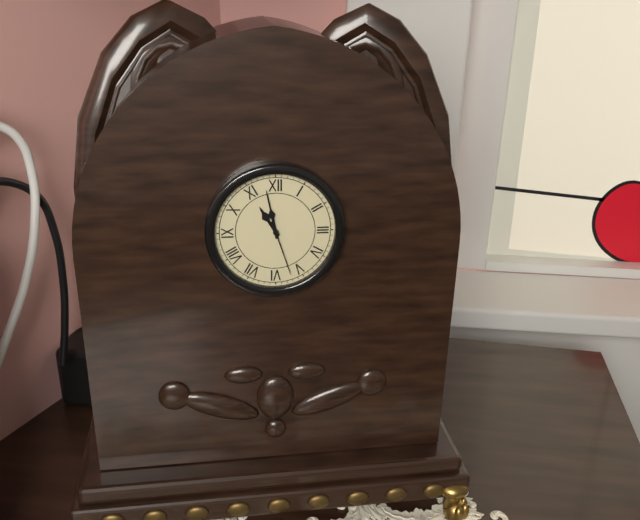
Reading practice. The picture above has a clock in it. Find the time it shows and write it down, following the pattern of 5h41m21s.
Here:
10h58m27s
